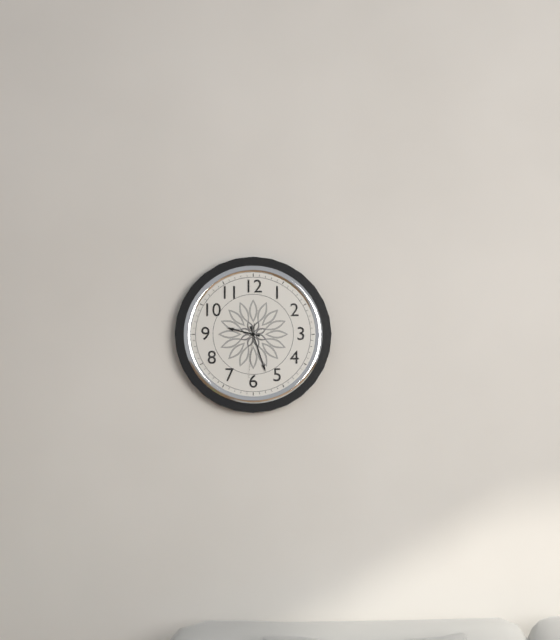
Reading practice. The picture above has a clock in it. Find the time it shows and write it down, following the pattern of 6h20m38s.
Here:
9h27m31s
